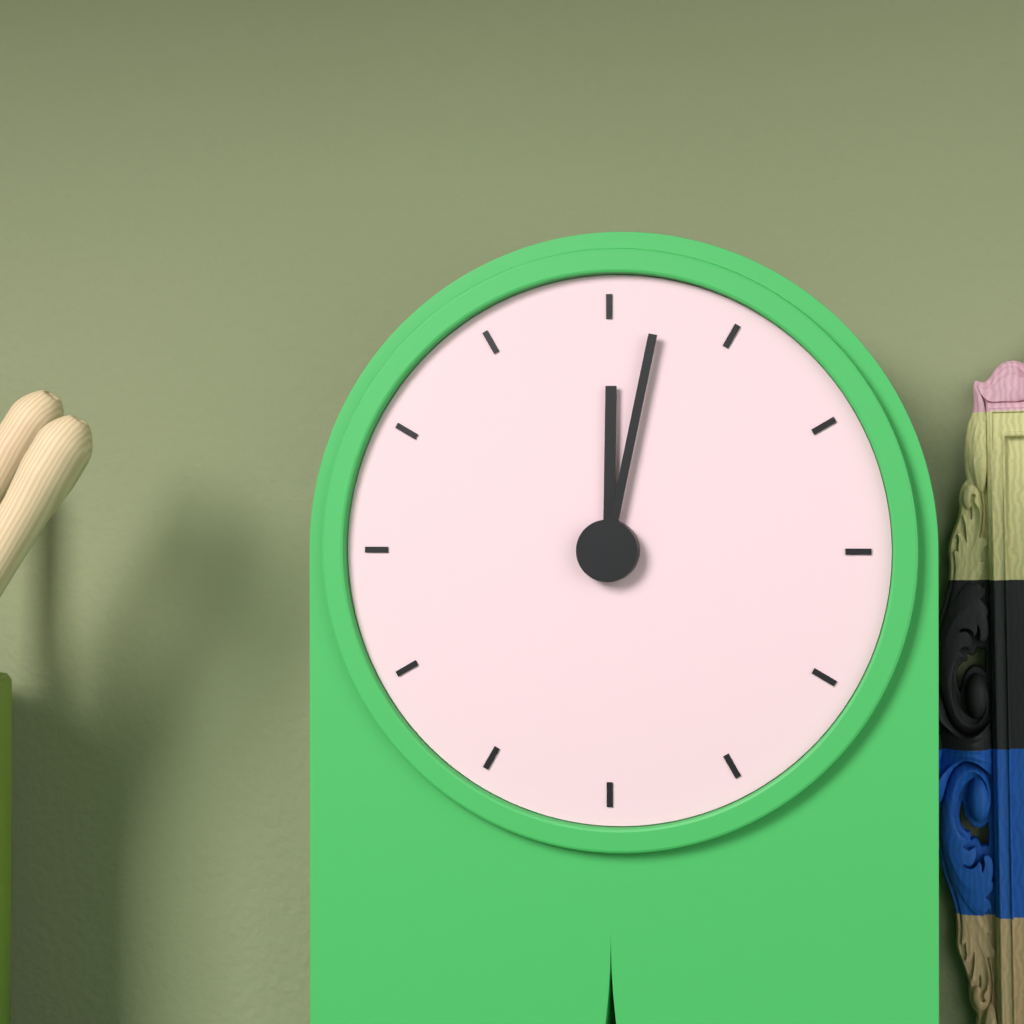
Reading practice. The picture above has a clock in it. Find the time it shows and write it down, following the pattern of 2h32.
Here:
12h02
